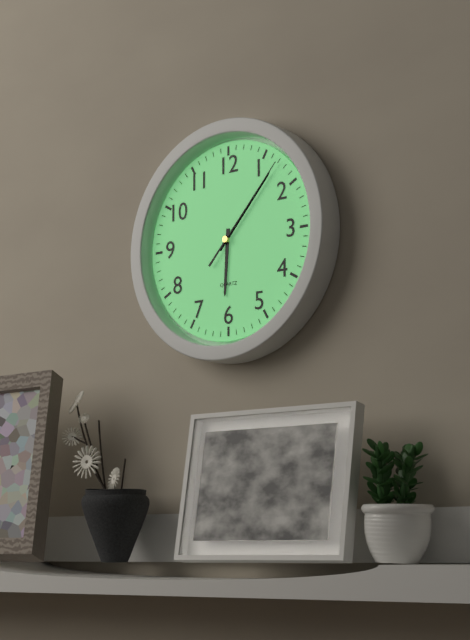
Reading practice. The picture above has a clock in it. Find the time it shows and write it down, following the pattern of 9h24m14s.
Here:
6h07m07s
